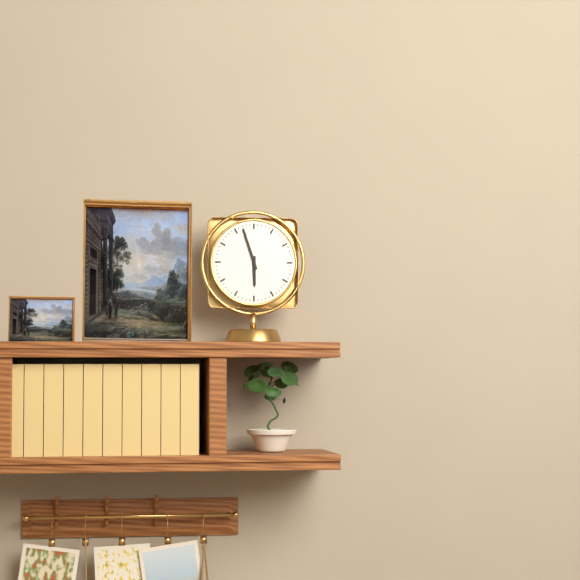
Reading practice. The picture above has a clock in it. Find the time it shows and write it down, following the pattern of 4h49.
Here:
5h57
